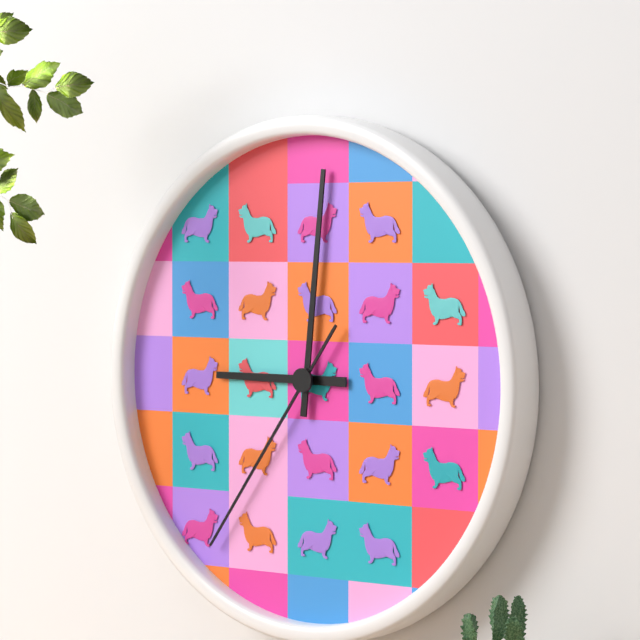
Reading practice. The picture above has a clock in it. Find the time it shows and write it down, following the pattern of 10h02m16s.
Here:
9h01m36s
